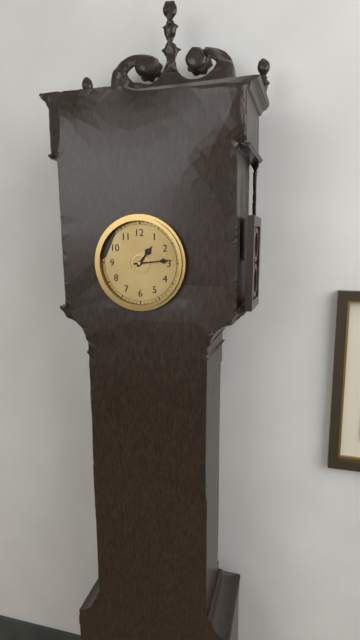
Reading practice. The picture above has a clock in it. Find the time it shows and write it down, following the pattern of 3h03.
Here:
1h14
